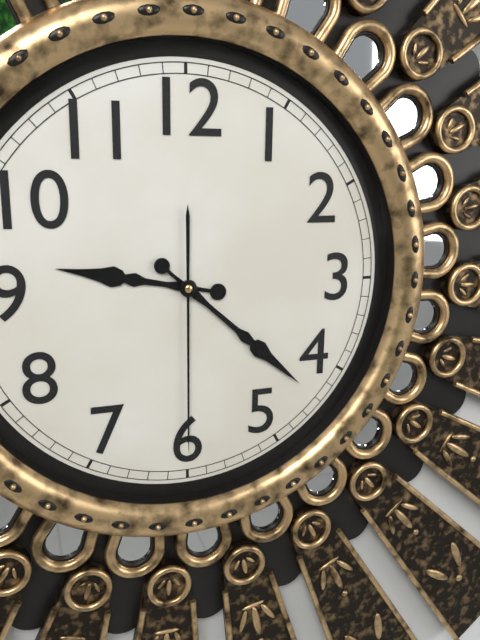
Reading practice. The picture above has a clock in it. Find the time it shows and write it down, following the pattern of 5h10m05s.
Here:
9h22m30s
